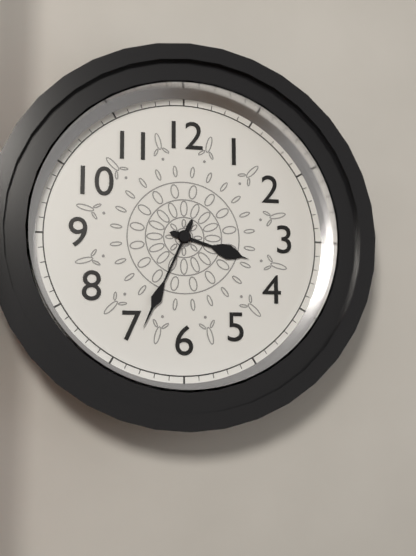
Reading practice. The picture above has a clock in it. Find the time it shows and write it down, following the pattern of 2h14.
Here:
3h34
